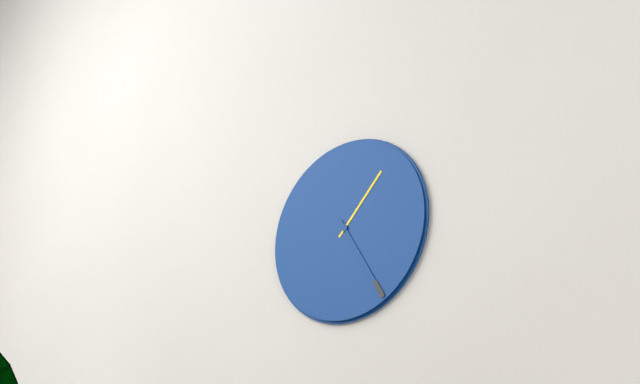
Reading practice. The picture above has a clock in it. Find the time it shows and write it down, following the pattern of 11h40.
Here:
1h25
